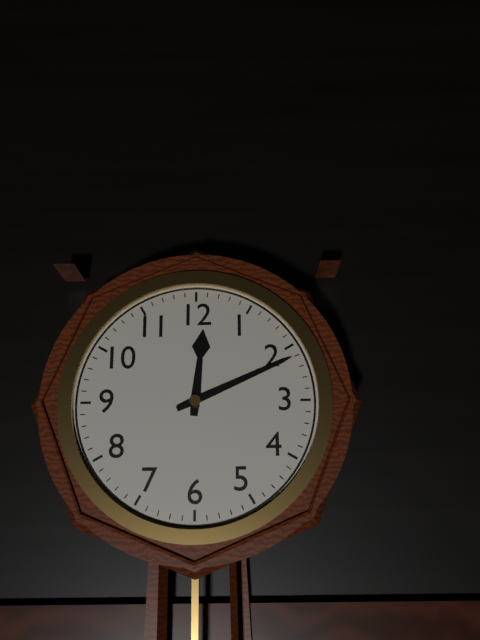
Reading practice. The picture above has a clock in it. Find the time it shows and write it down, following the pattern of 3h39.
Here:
12h11
